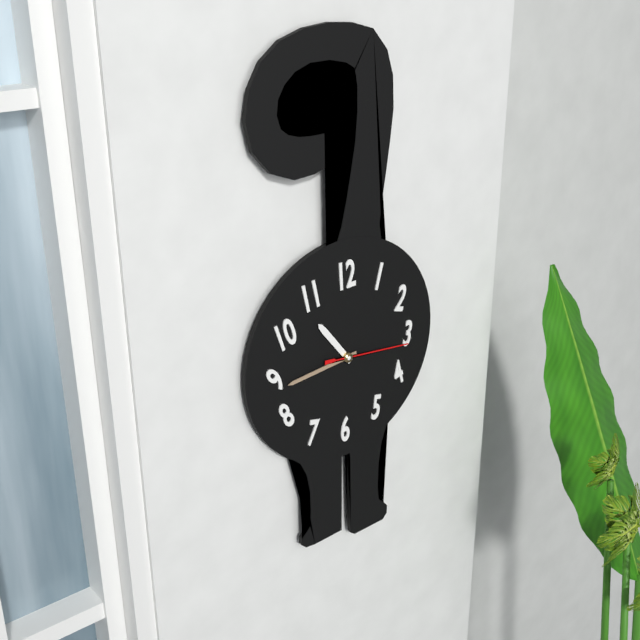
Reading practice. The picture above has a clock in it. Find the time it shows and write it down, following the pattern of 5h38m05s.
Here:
10h44m16s
